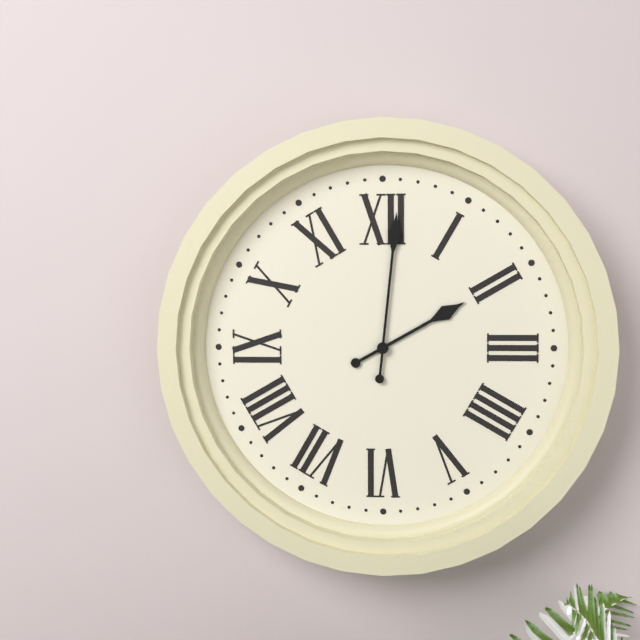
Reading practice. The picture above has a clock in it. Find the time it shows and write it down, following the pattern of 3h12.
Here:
2h01
